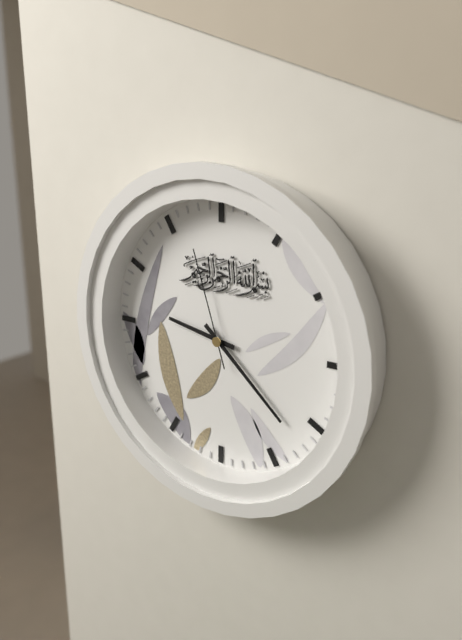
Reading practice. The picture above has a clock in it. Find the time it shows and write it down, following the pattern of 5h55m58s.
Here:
9h22m57s
